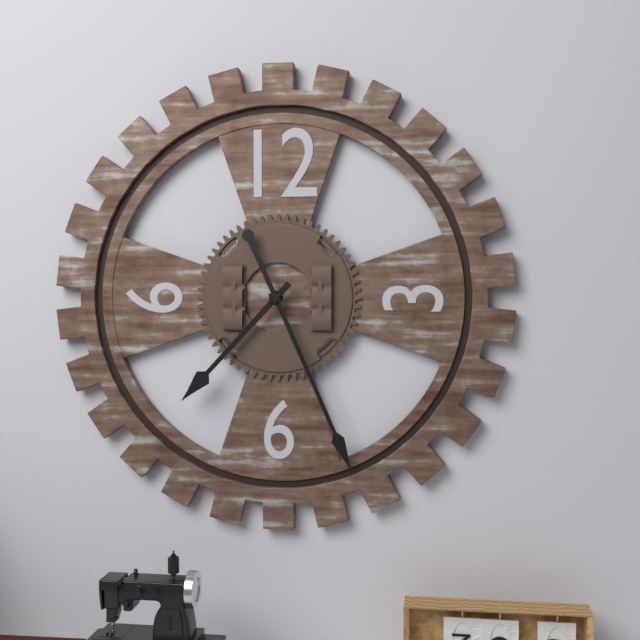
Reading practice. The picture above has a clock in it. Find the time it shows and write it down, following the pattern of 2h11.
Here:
7h26
